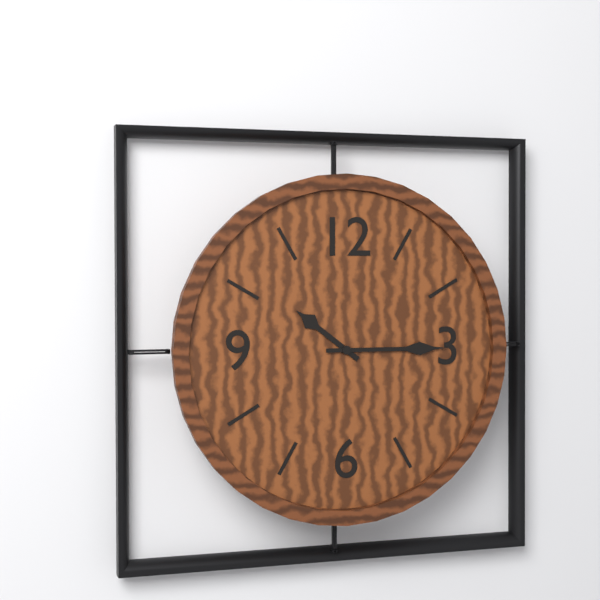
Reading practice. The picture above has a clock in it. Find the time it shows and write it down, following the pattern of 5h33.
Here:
10h15
